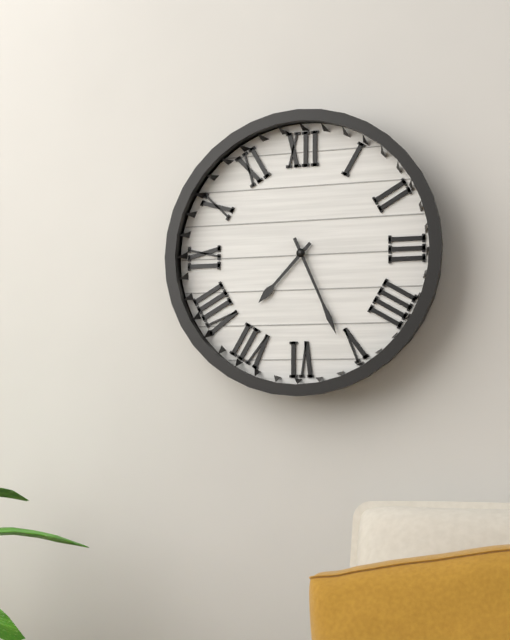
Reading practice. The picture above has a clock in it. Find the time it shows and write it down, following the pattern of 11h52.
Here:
7h26
